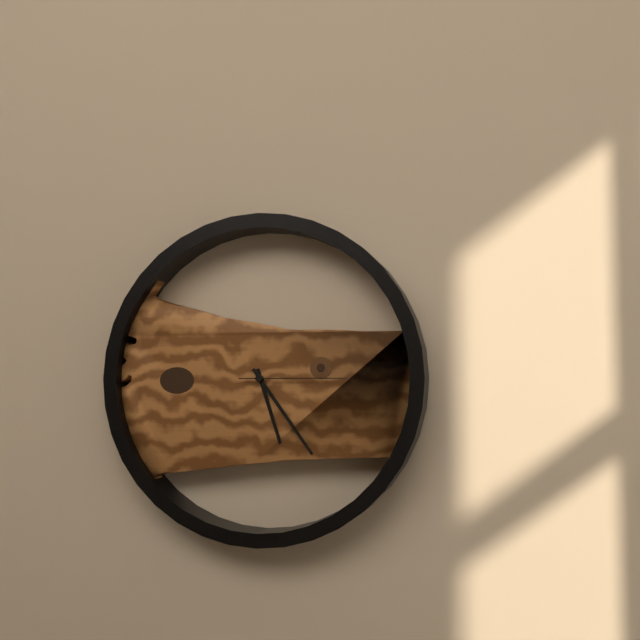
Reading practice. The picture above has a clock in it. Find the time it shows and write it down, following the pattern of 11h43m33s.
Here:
5h24m15s
